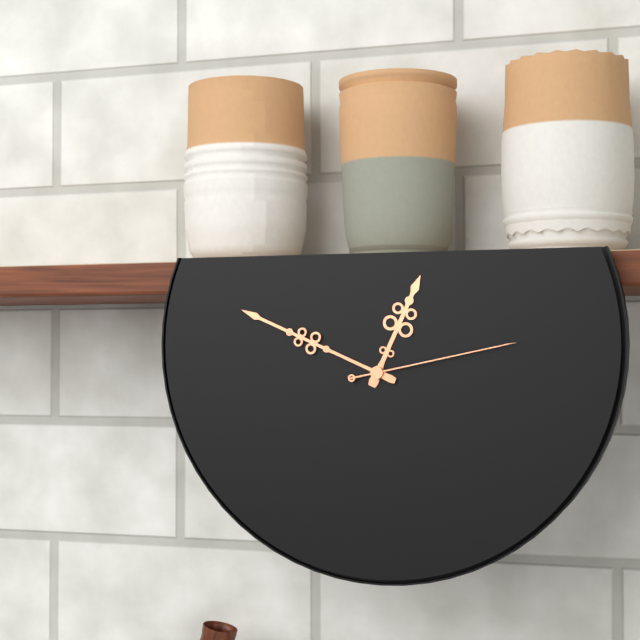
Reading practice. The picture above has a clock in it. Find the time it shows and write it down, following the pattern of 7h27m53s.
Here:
12h49m13s
